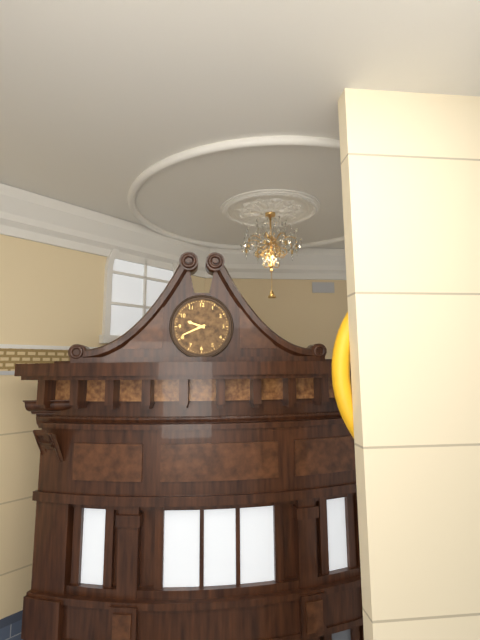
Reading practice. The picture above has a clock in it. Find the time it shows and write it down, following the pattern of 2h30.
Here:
9h41
